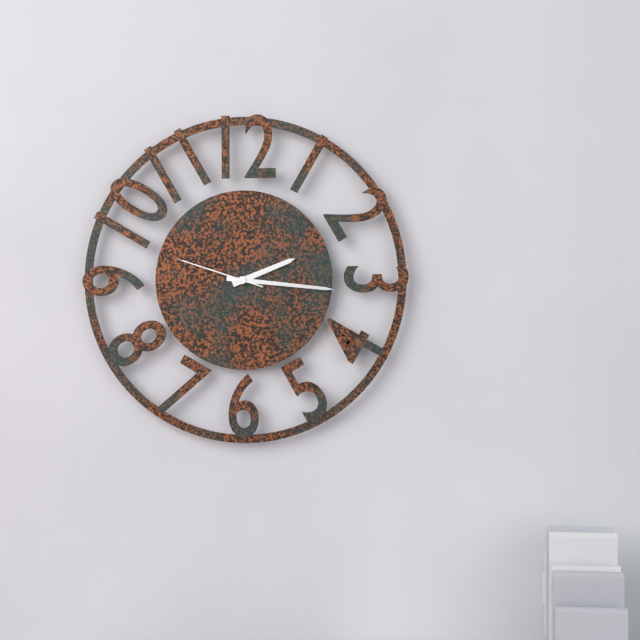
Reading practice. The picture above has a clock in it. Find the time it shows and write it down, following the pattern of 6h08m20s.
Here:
2h16m48s
